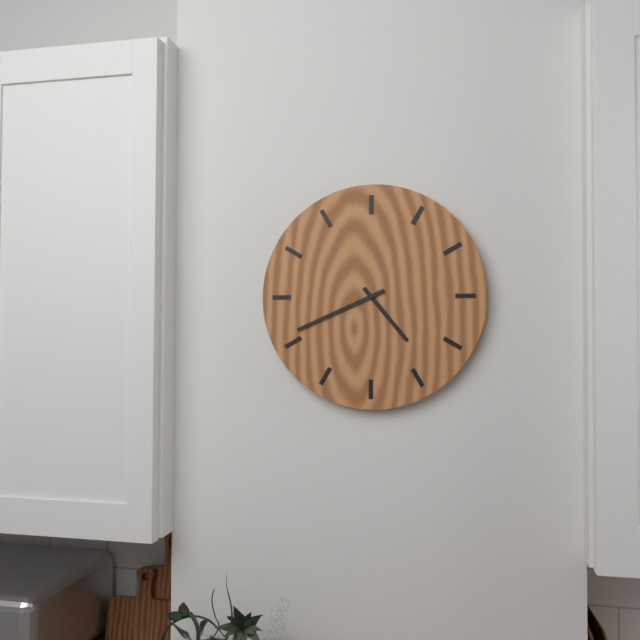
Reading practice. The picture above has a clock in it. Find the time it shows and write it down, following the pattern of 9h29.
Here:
4h41
